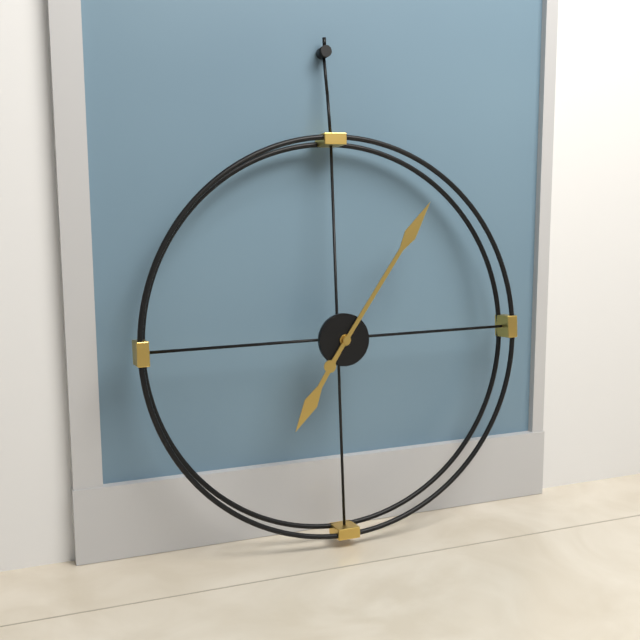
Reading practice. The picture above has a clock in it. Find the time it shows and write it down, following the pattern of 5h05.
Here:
7h06
